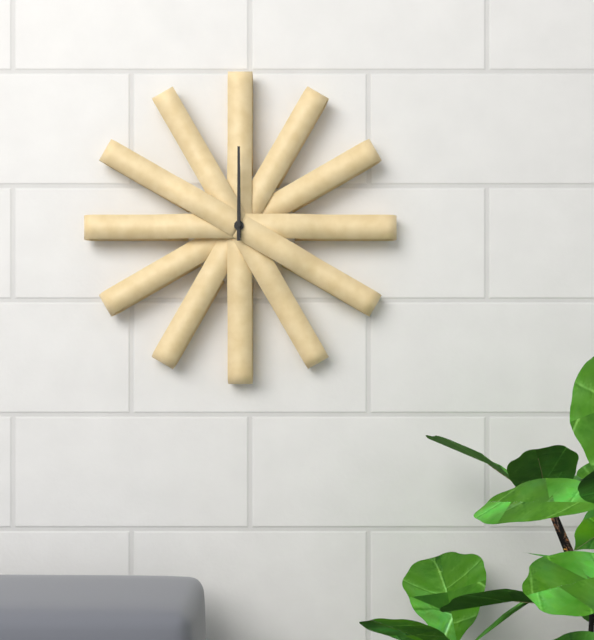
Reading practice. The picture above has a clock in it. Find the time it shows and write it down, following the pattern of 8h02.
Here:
12h00
